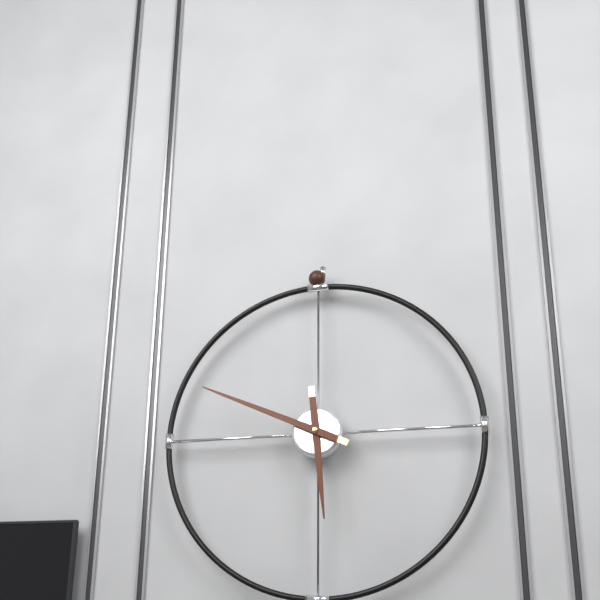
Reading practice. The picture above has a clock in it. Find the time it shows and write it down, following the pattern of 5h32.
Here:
5h49
